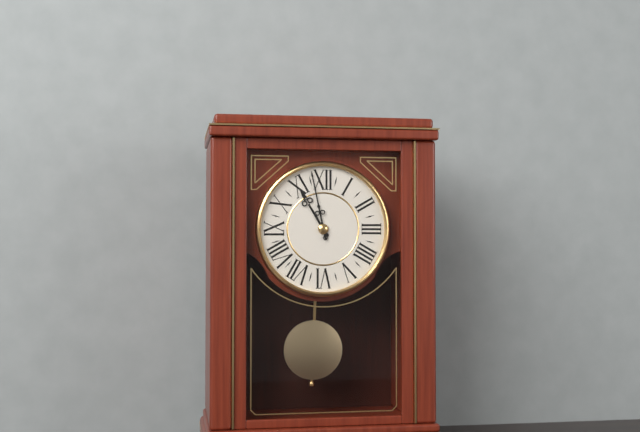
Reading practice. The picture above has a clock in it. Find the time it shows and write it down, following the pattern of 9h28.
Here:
10h58
